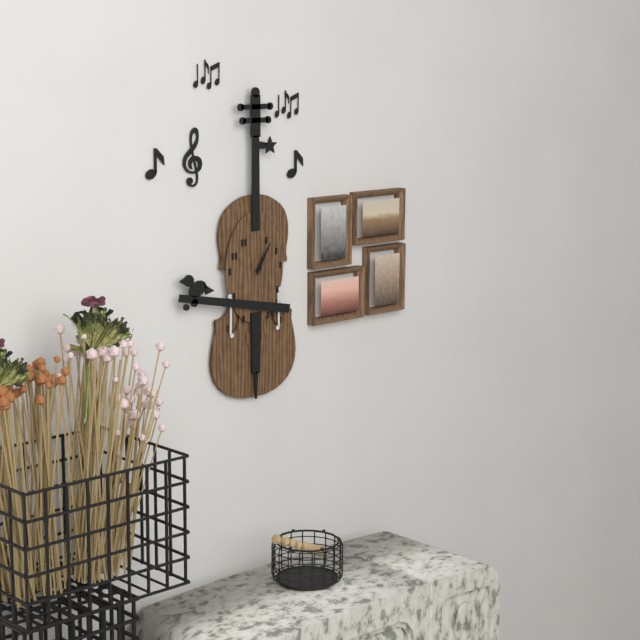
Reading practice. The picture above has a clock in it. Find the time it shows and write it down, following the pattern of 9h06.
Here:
1h05
